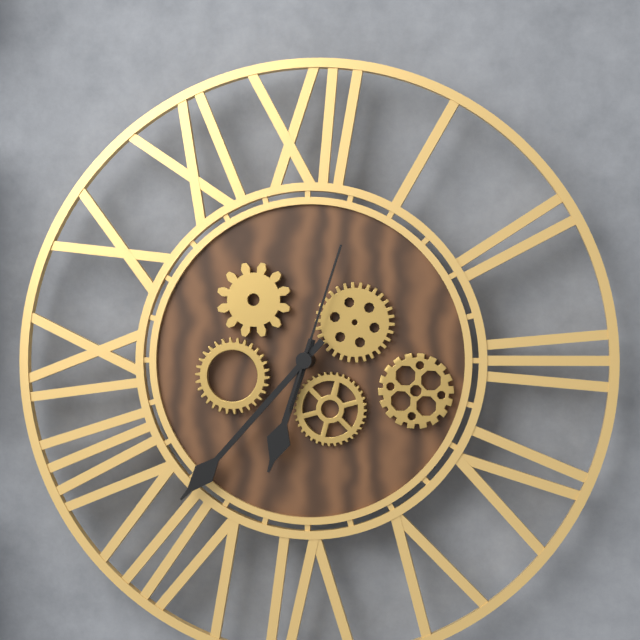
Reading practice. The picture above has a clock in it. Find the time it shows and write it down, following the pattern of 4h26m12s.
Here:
6h37m03s
